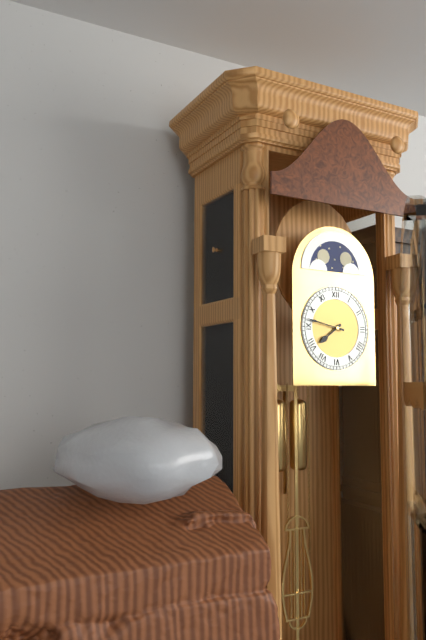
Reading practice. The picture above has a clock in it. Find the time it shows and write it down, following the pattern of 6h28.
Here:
7h47
